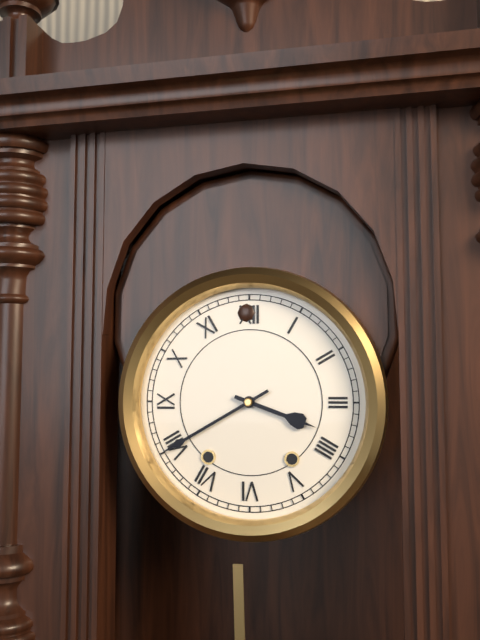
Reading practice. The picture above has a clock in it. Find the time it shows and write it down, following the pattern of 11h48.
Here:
3h40
